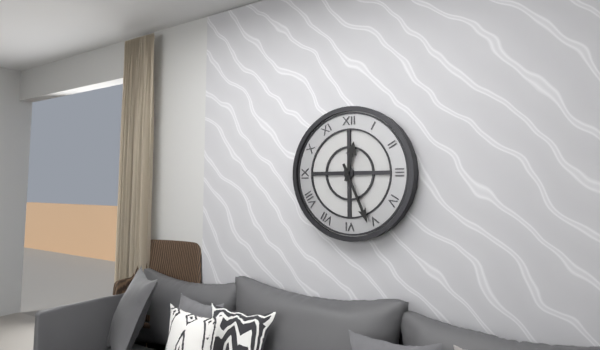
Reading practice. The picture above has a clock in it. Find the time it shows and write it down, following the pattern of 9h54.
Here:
12h26
